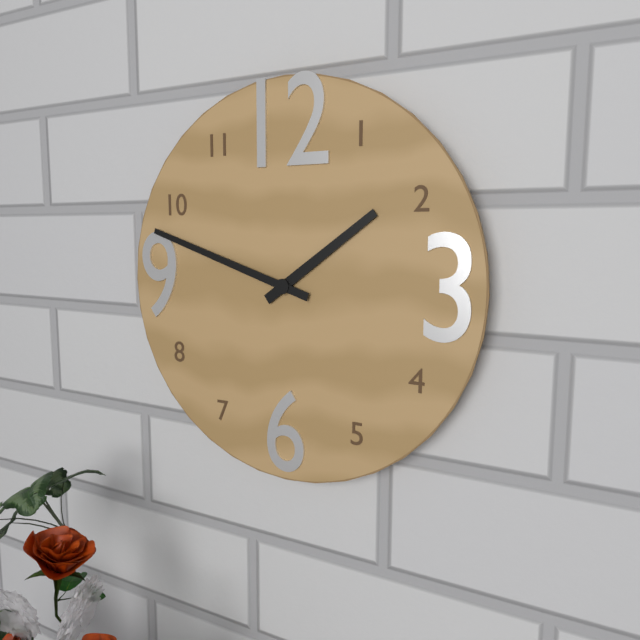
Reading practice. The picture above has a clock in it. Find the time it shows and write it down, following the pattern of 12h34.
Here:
1h48
